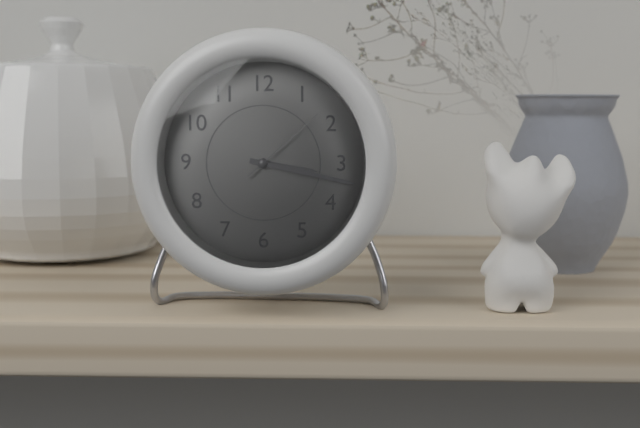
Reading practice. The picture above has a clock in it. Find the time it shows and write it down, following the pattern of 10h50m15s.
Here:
3h17m08s
